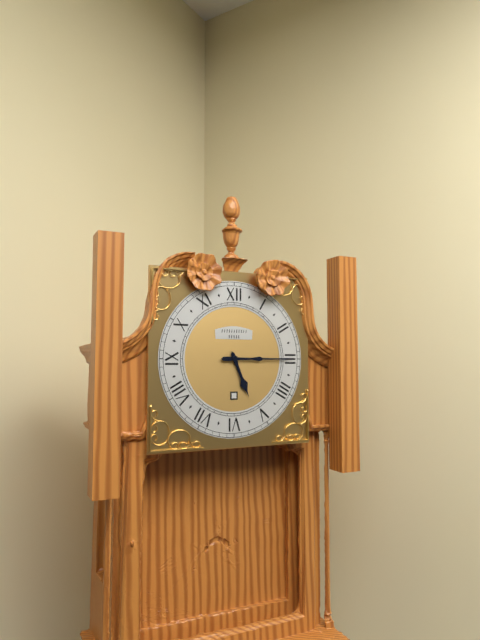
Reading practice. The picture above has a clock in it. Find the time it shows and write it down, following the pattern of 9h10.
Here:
5h15
